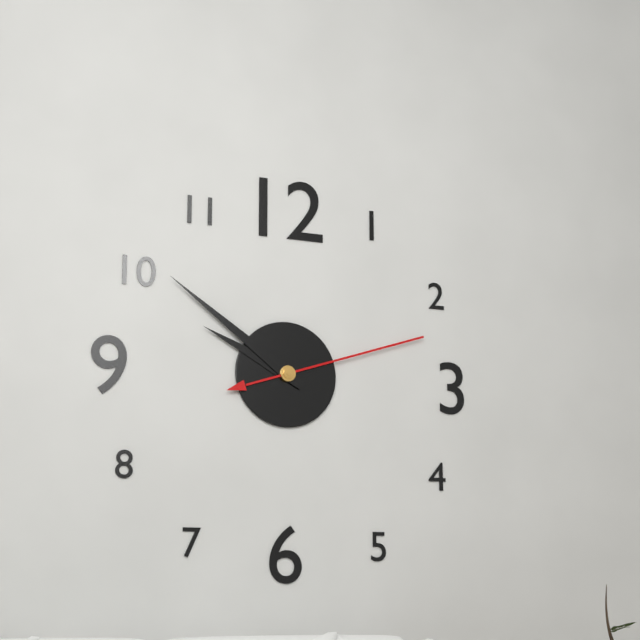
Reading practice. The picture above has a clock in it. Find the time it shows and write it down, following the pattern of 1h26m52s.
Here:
9h51m12s
